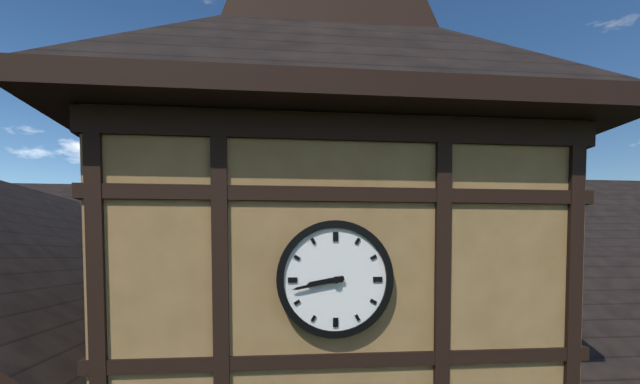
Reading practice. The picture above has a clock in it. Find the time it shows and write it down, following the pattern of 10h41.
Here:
8h43
